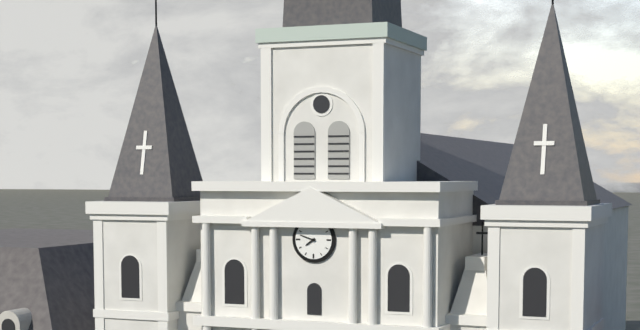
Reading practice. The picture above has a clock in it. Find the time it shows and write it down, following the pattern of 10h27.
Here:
7h48
